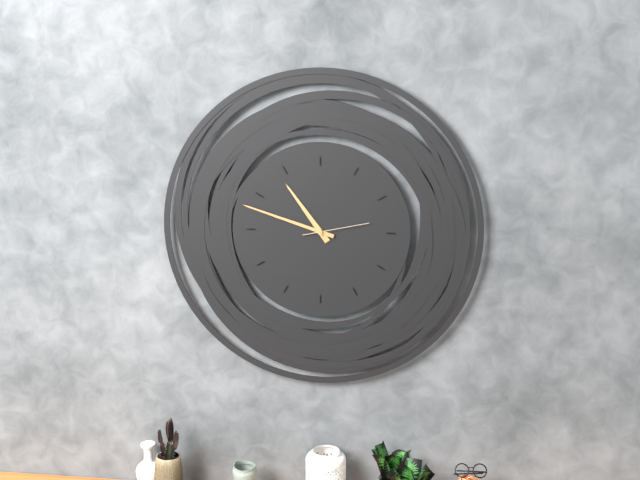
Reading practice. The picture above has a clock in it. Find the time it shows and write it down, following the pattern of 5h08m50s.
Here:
10h48m13s
